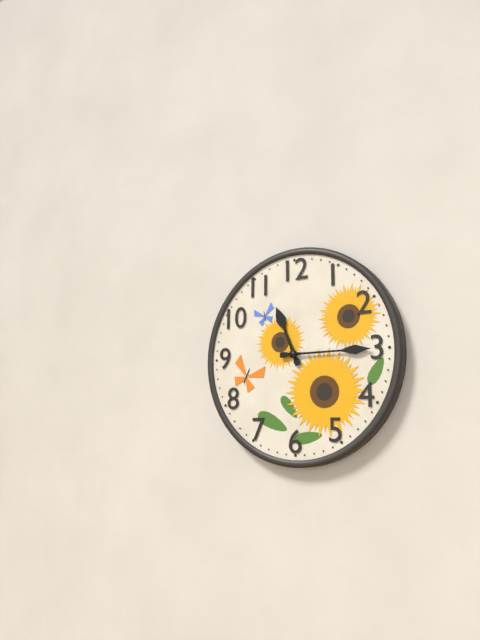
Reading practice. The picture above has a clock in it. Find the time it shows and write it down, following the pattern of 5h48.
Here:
11h15
